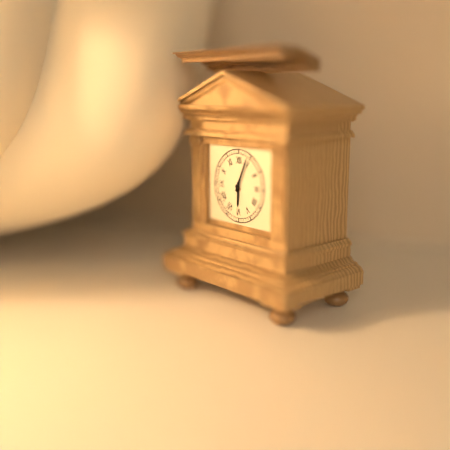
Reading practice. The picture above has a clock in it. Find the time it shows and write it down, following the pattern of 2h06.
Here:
6h04
